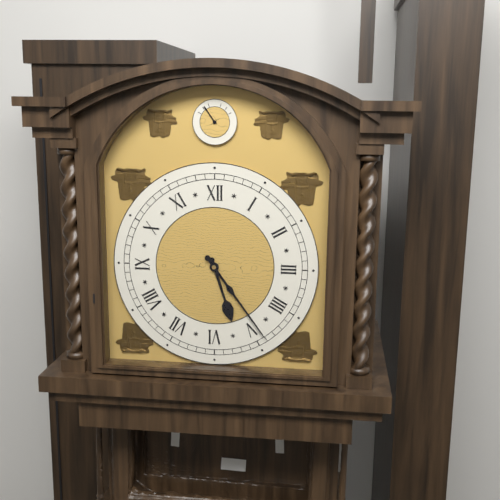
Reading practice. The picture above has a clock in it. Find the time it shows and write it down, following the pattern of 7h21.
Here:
5h24
